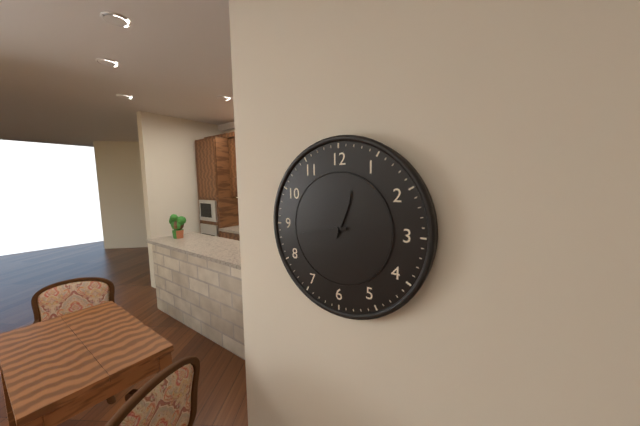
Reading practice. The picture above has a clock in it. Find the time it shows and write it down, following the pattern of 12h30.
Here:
12h43
